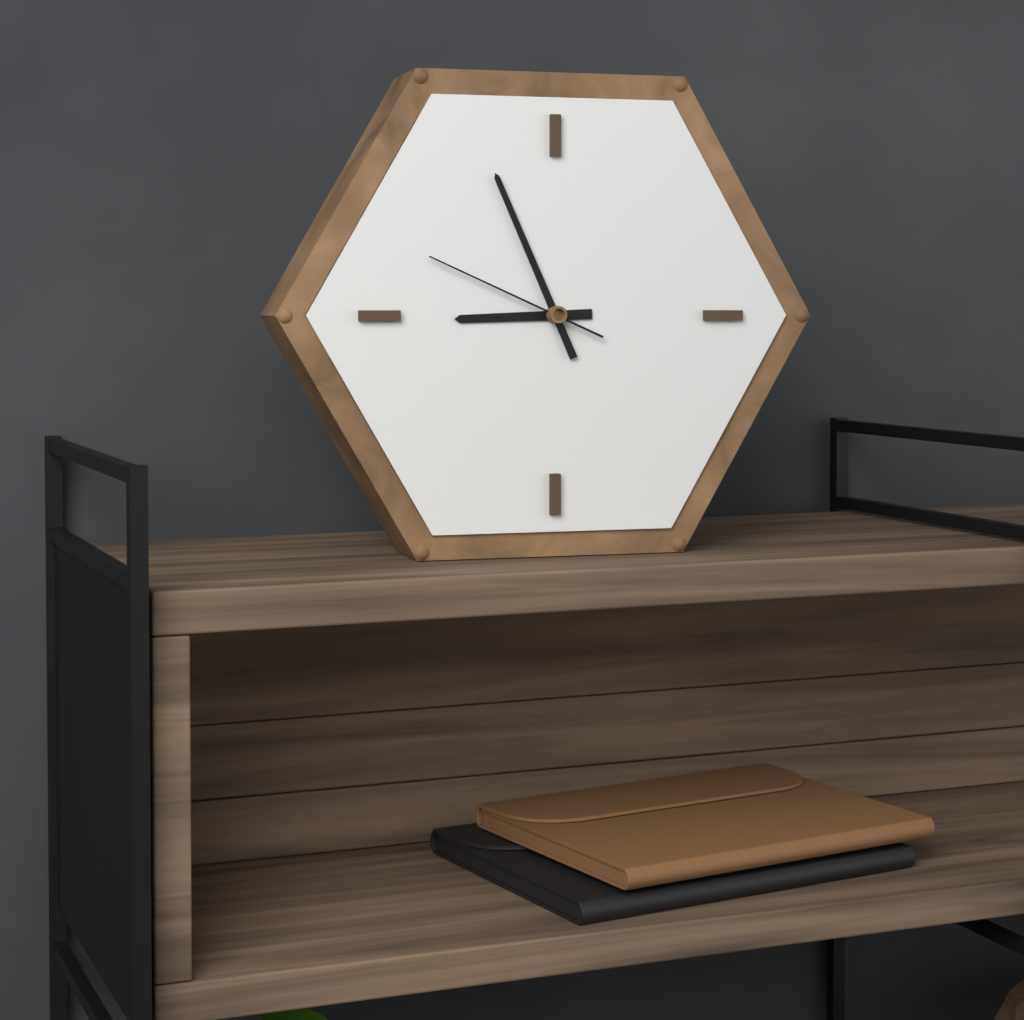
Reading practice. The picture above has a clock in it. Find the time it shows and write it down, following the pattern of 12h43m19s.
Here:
8h56m49s
